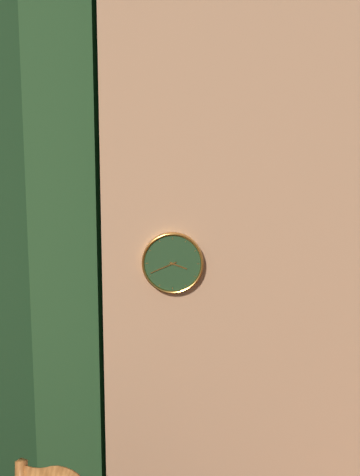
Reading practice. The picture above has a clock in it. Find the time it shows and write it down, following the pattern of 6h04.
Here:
3h41
